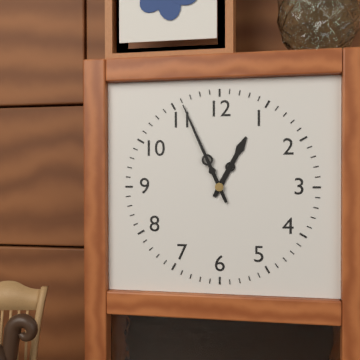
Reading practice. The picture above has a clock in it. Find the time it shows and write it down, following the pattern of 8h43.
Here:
12h56
